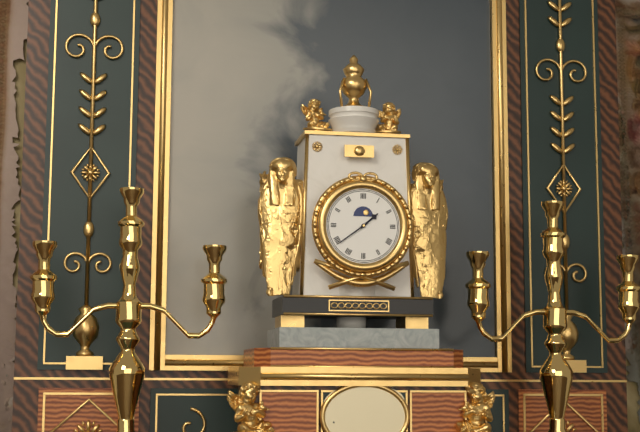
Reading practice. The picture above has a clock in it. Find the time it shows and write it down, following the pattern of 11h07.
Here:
1h39
